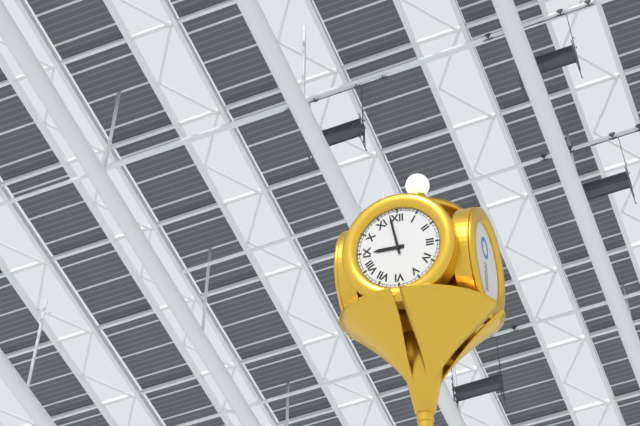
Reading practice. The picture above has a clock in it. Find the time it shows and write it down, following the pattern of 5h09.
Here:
8h58
